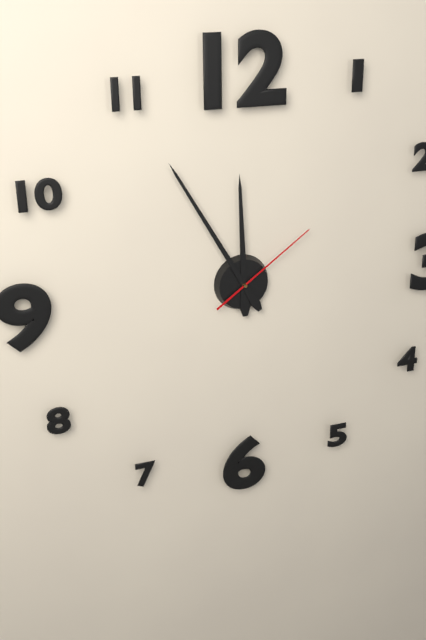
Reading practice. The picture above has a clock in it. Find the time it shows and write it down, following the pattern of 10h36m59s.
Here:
11h55m09s
